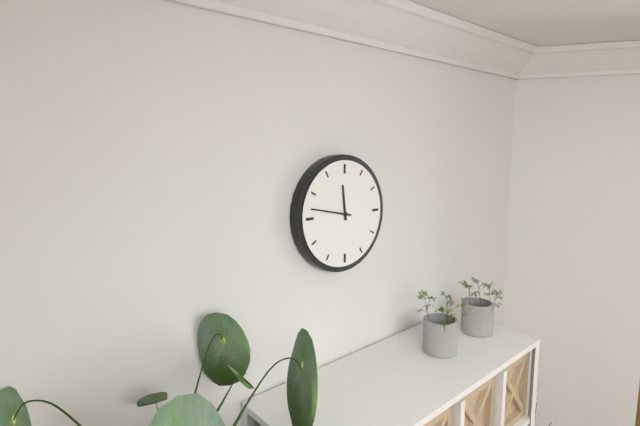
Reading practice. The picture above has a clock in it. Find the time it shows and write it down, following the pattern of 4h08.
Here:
11h47
